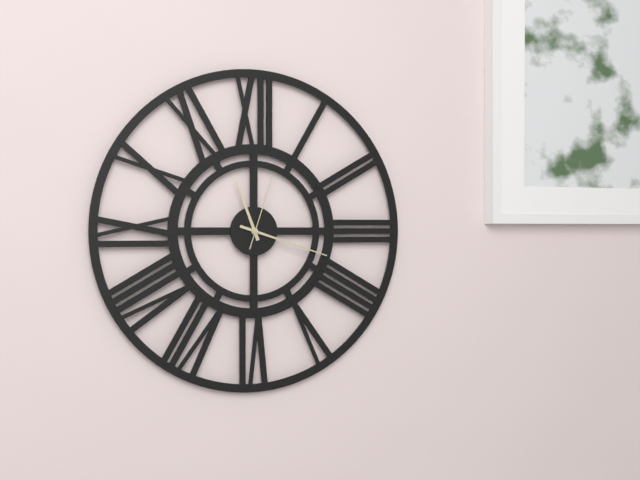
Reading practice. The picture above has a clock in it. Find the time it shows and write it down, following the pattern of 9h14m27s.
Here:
11h18m03s
